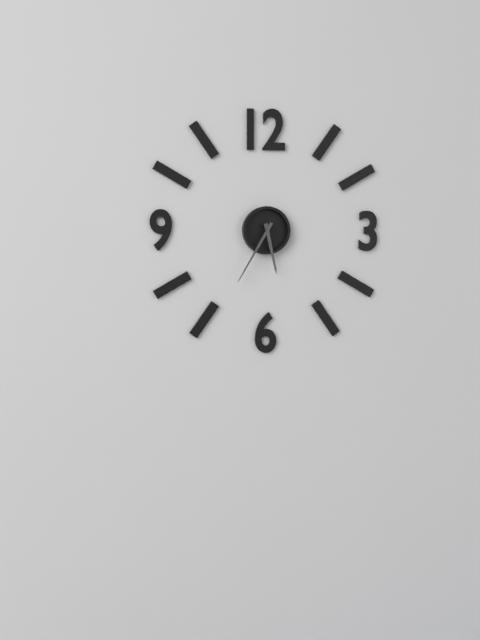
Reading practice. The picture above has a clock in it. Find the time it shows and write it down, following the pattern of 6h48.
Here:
5h35
